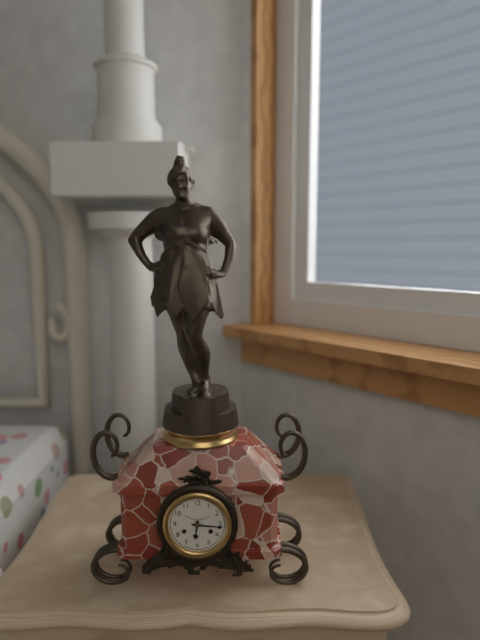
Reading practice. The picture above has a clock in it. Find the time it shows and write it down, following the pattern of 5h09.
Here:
6h16
